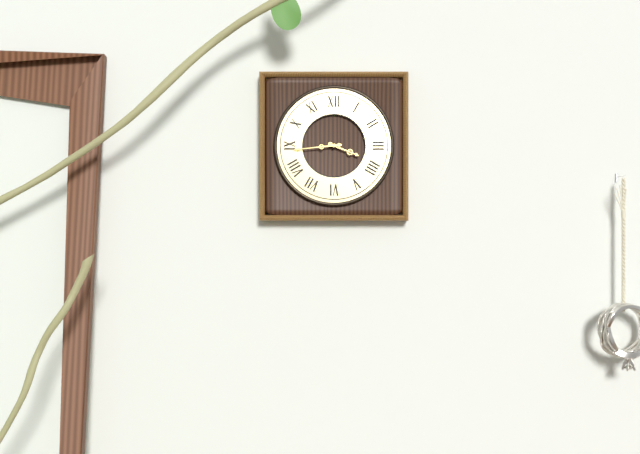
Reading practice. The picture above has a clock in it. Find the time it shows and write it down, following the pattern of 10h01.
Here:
3h44
